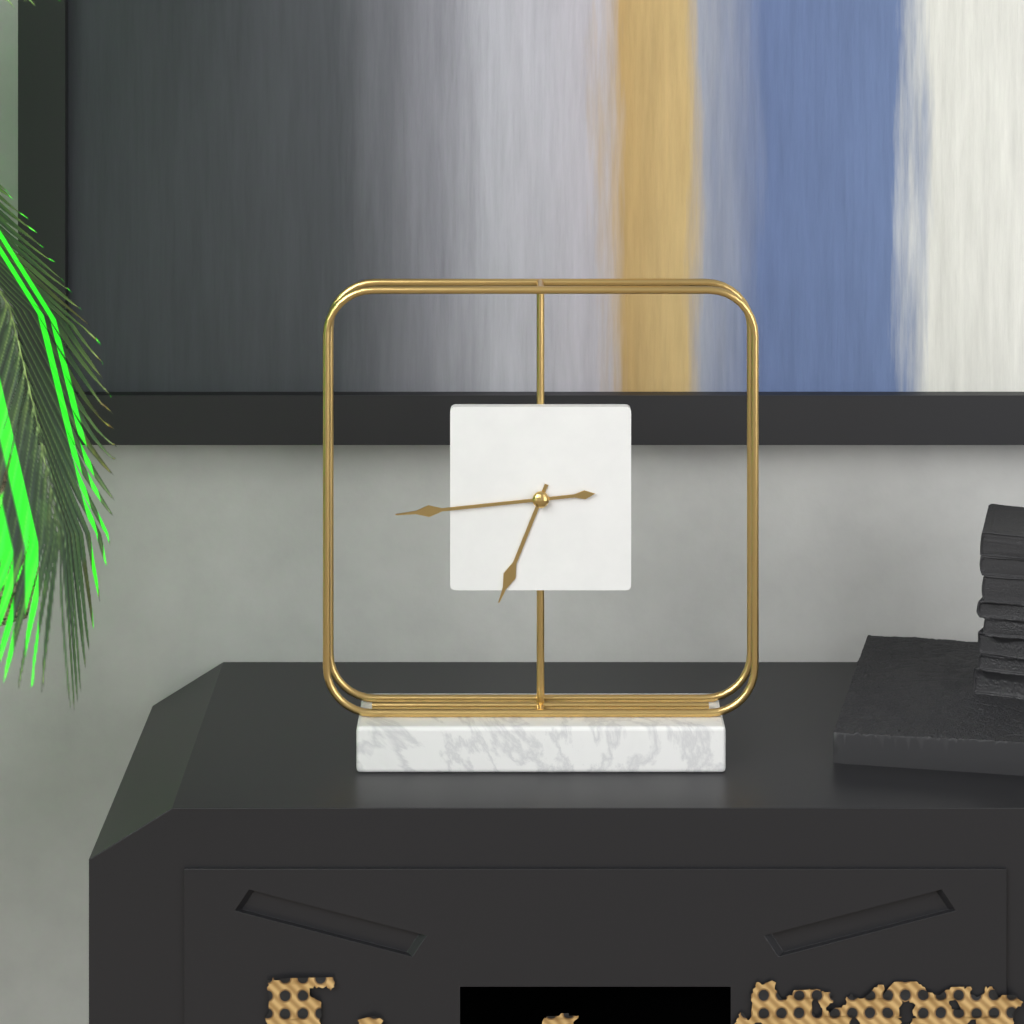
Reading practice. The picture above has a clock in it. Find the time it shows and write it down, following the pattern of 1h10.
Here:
6h44
